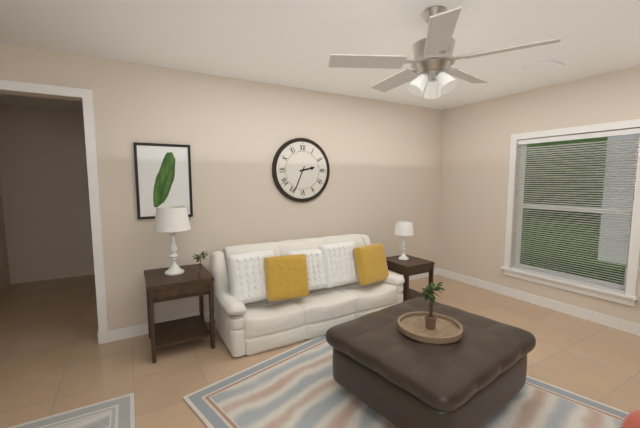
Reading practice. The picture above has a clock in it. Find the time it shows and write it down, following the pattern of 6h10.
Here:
2h34
